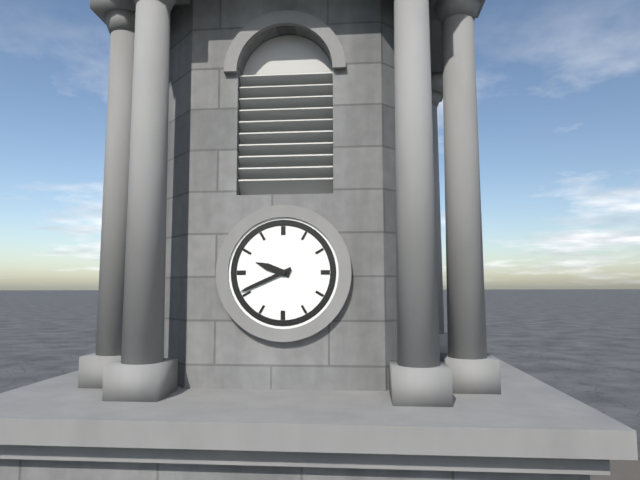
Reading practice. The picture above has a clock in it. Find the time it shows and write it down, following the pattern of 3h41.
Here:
9h41
